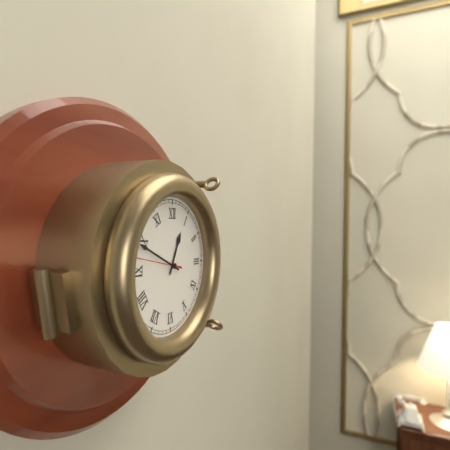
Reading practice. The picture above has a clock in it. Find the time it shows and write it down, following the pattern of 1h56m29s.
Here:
12h49m47s
